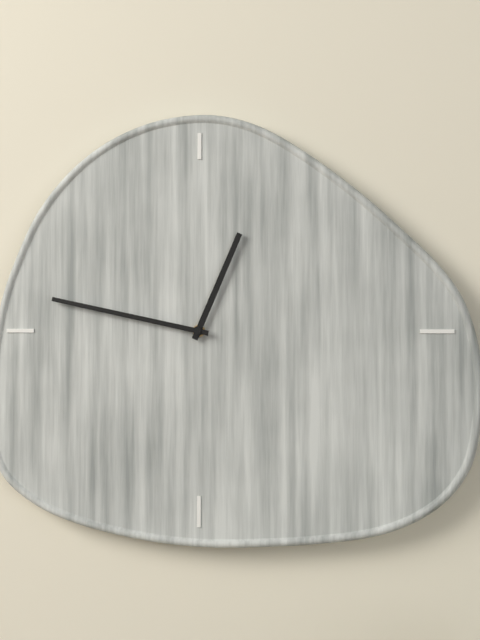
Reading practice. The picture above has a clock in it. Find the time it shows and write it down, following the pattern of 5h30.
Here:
12h47
